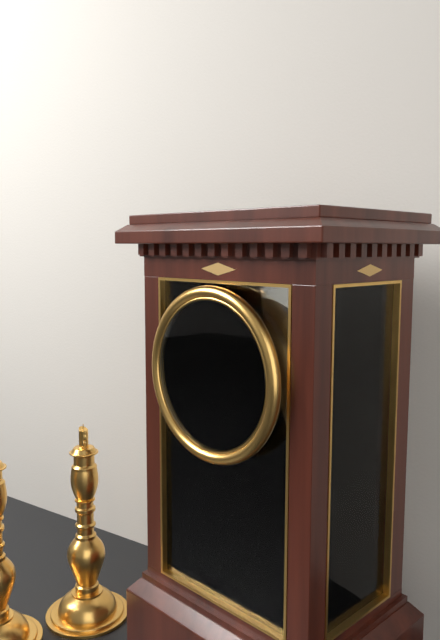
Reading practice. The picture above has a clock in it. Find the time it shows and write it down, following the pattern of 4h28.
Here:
4h24
